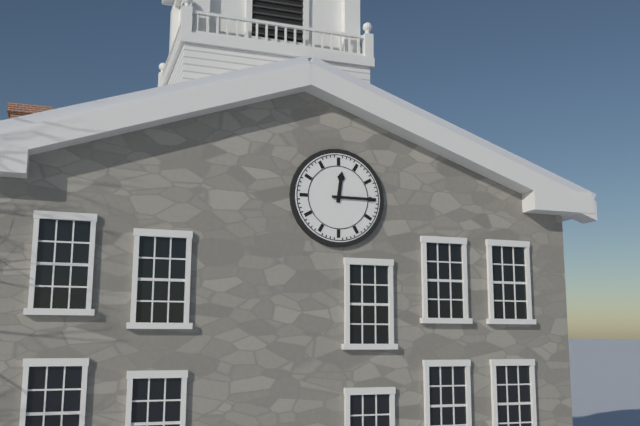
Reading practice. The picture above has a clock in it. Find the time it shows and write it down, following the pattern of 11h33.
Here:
12h15
